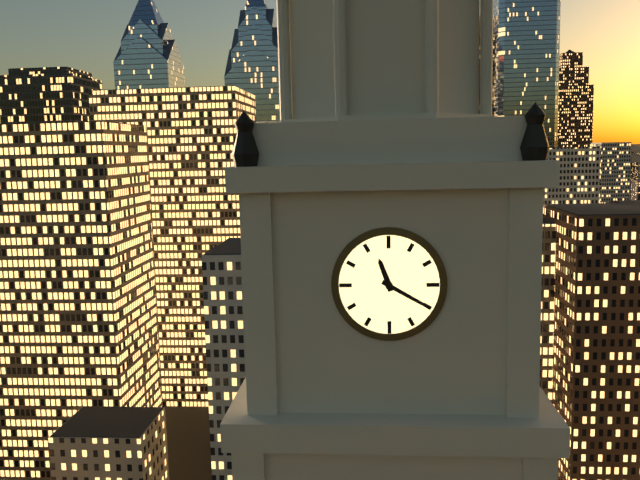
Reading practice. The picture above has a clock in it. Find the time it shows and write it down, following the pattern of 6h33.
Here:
11h20
